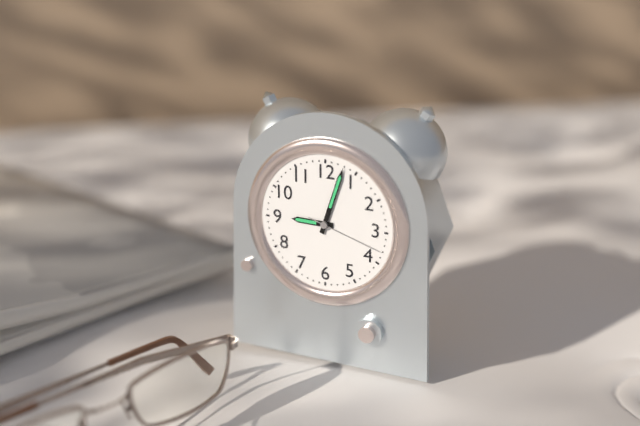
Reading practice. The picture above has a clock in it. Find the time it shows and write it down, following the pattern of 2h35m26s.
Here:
9h03m18s
